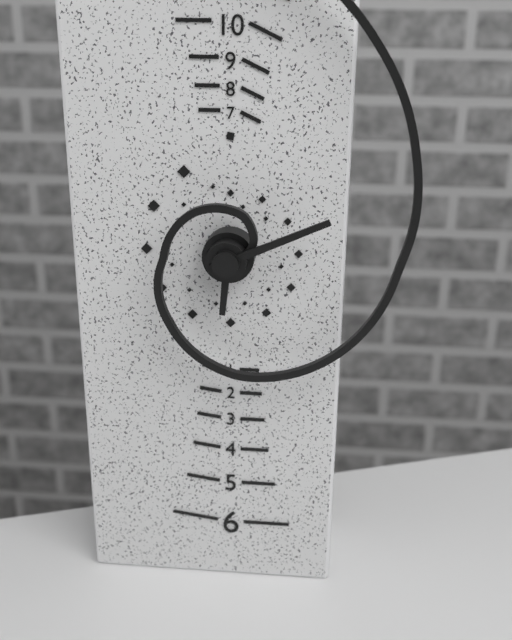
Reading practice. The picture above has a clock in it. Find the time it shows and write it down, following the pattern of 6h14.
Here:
6h11
